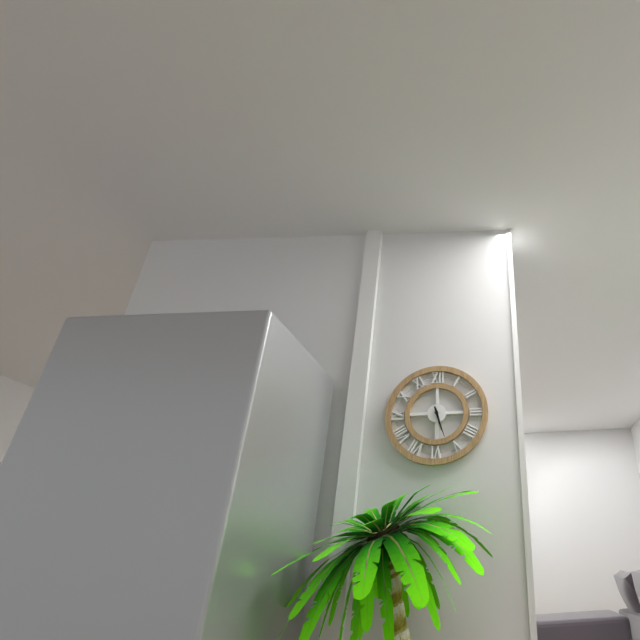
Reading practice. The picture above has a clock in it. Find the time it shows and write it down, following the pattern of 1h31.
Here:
5h27
